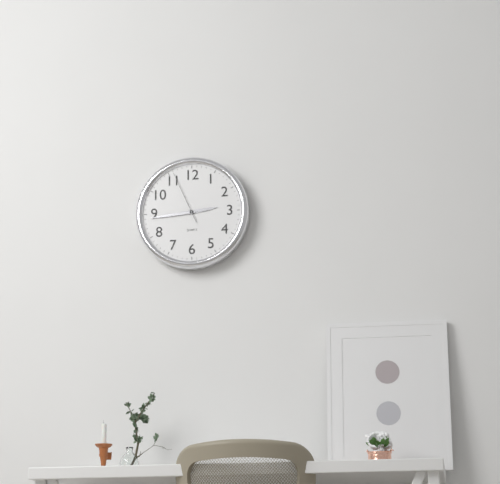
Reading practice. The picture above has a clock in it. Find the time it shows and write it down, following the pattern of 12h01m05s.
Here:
2h44m56s
